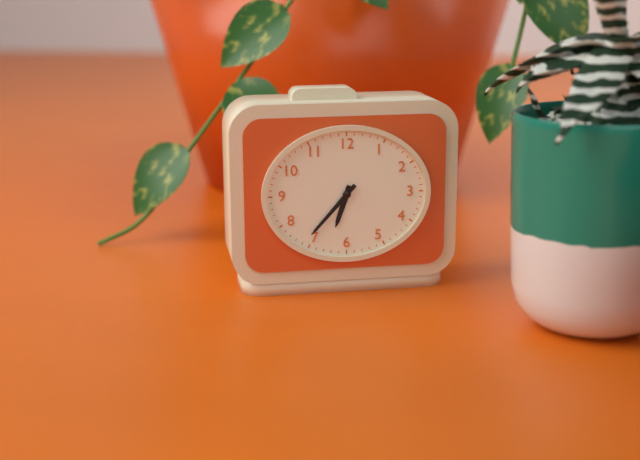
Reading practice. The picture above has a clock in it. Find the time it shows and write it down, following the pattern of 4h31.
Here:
6h37
